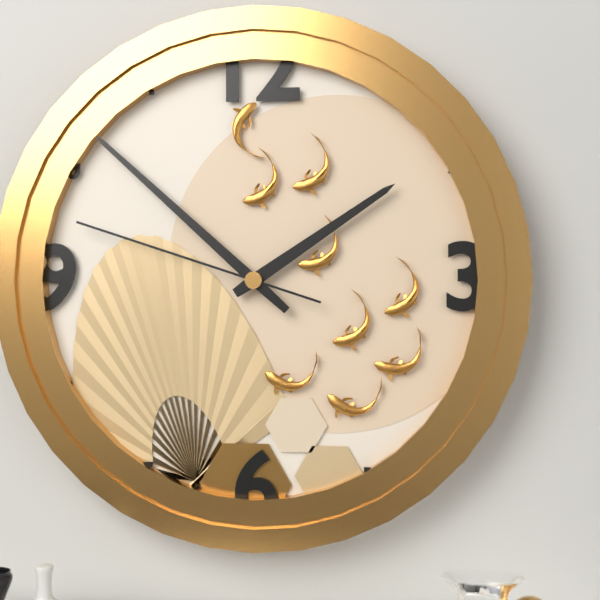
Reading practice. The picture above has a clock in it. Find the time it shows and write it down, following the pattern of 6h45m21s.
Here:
1h52m48s
